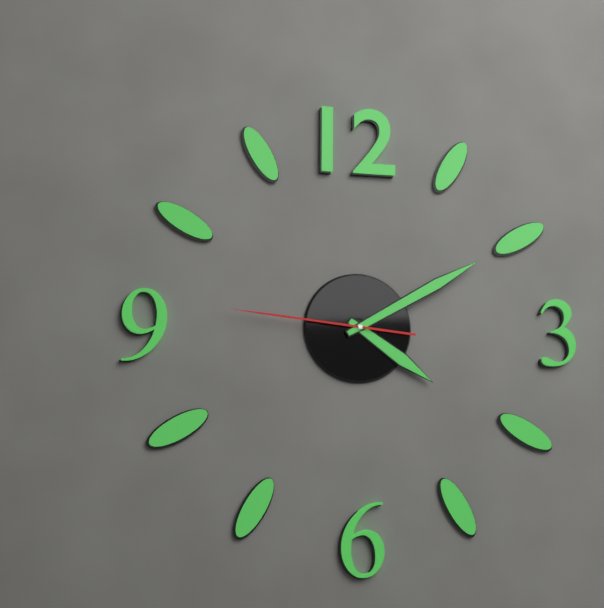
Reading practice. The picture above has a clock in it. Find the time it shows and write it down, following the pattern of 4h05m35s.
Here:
4h10m46s
